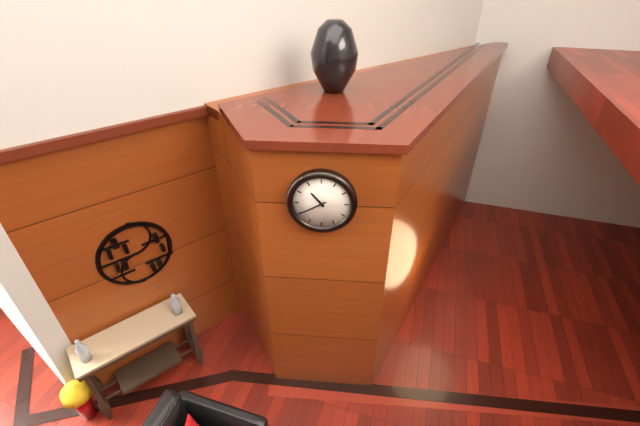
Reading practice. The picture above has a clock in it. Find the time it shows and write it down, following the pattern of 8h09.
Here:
10h40
